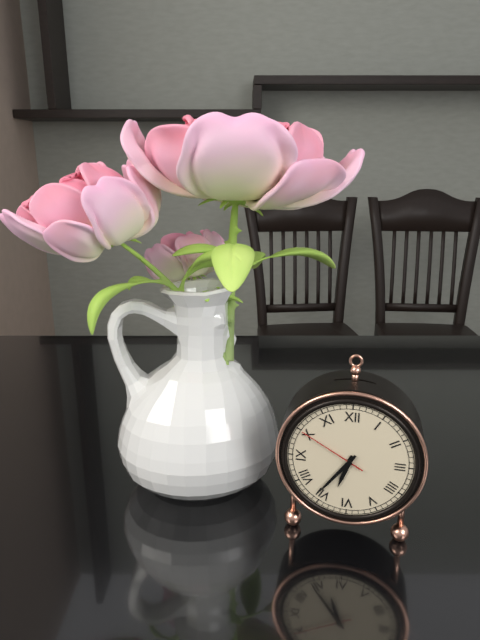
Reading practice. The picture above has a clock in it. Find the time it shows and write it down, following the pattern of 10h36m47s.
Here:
6h36m50s
